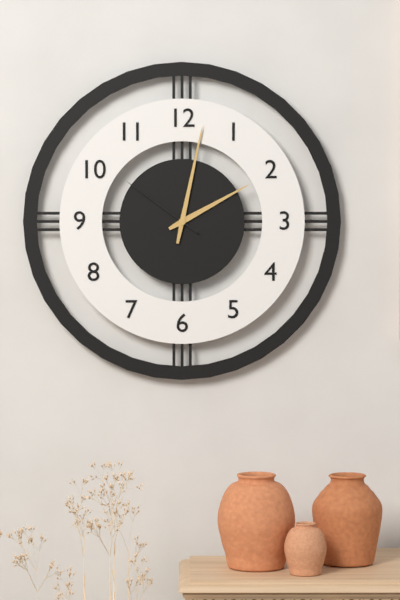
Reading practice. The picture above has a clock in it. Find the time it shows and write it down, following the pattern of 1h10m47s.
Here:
2h02m51s
